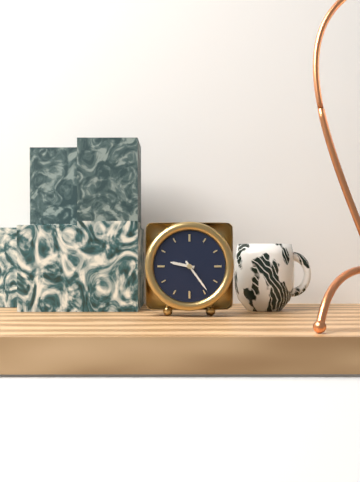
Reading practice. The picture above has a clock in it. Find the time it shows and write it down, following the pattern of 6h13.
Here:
9h24
